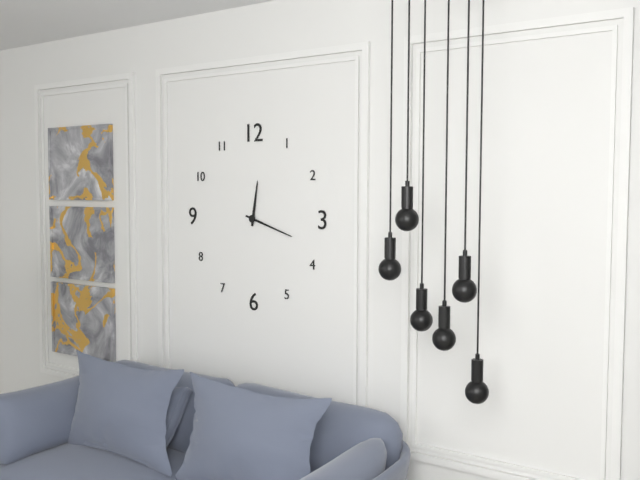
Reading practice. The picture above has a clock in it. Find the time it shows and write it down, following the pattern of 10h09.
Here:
12h18
